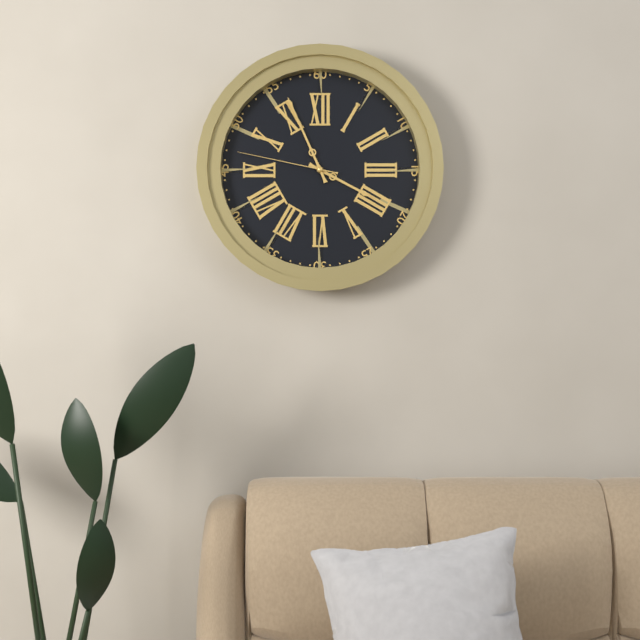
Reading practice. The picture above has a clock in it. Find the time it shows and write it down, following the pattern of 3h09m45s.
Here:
3h56m47s
